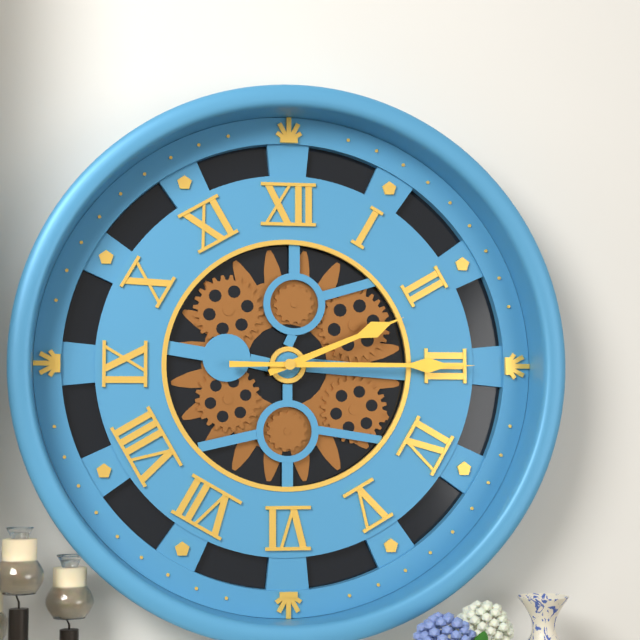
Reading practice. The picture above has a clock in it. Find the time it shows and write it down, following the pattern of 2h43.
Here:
2h15
